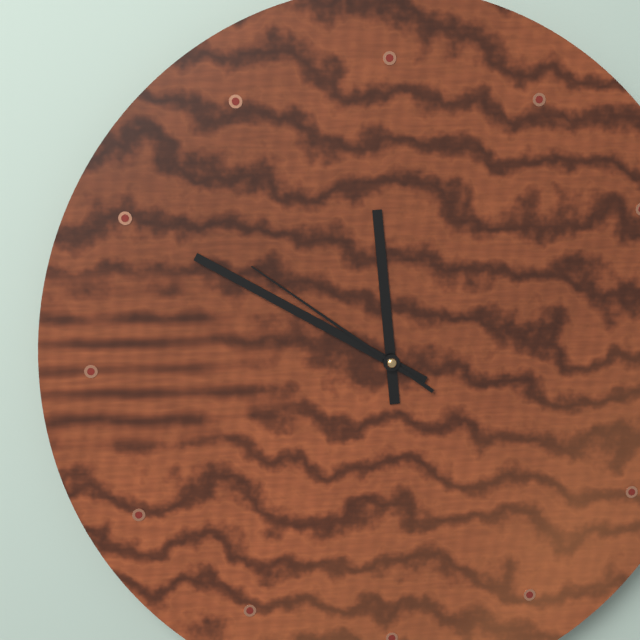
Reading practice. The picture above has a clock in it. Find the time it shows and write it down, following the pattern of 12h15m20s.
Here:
11h50m51s
